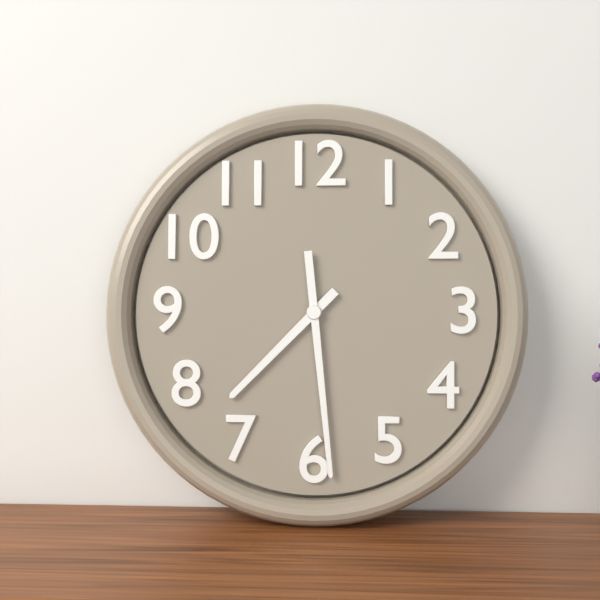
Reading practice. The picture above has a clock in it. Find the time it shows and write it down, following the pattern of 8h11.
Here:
7h29
